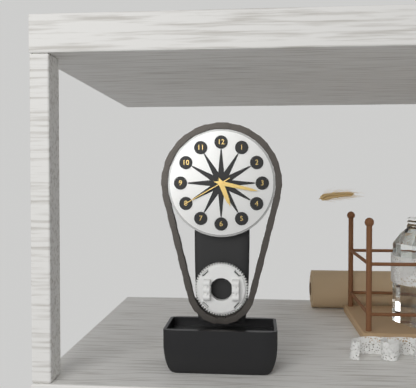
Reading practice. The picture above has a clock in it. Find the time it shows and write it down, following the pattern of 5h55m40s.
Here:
5h17m40s
